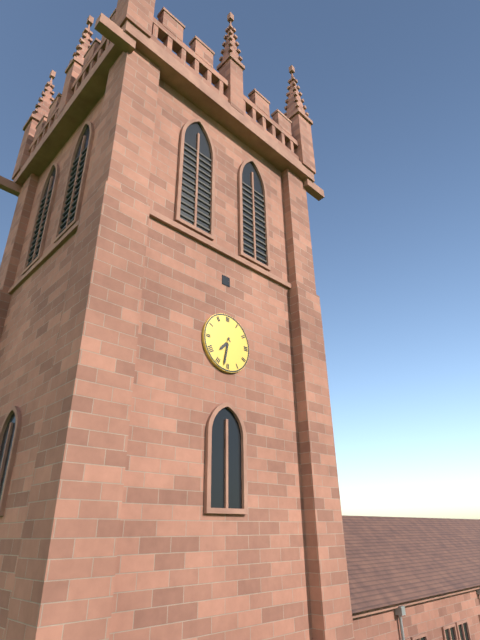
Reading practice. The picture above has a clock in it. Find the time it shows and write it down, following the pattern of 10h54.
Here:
7h32
